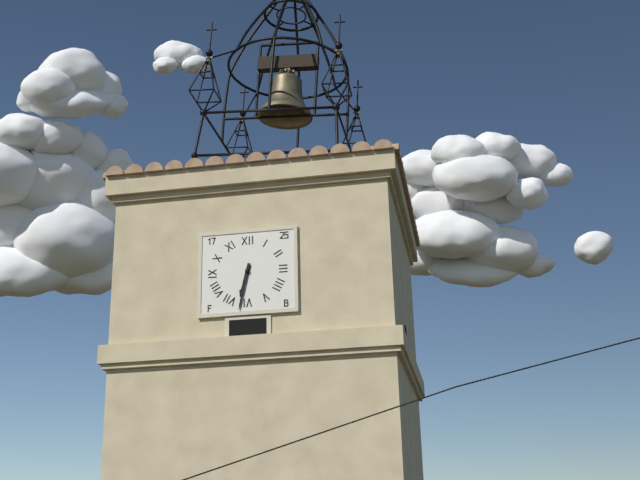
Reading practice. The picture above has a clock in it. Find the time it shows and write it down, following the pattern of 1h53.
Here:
6h32
